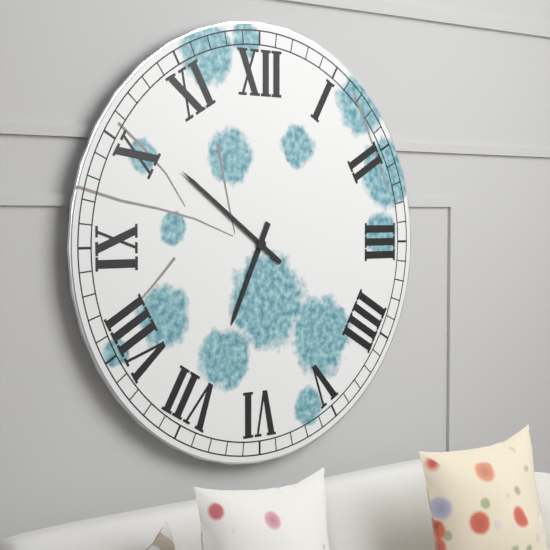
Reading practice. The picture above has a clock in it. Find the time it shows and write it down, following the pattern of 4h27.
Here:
6h51
